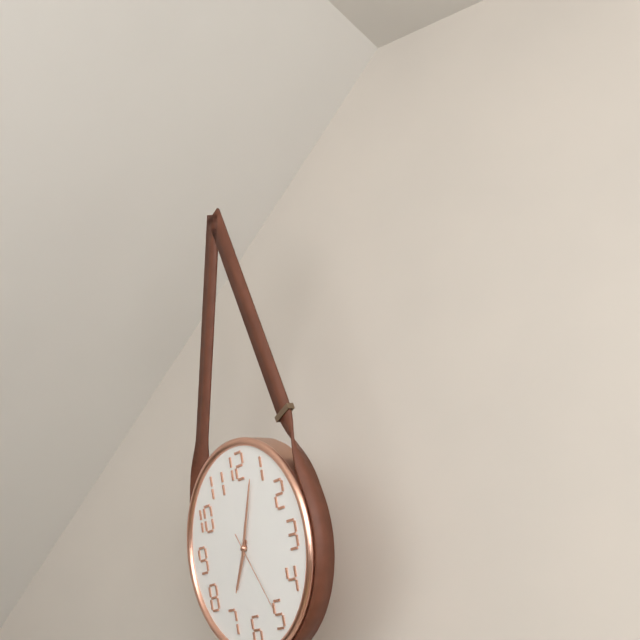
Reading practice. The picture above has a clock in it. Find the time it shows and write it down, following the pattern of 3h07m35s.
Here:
7h04m25s
